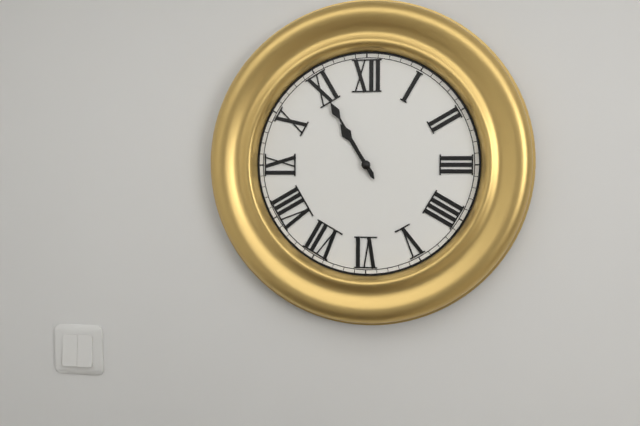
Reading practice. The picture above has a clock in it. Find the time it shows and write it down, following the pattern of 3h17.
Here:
10h55
